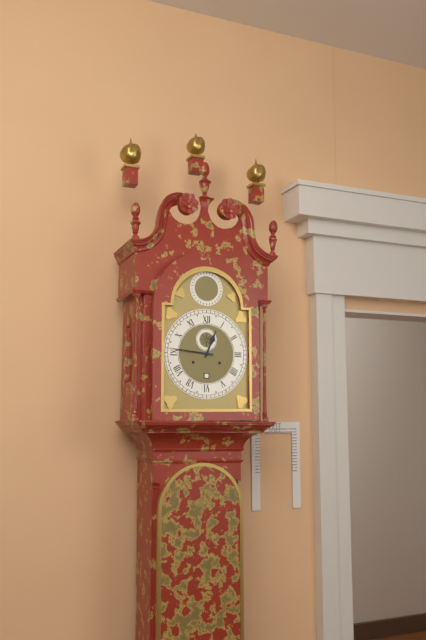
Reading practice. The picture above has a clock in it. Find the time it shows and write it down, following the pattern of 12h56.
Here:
12h46
